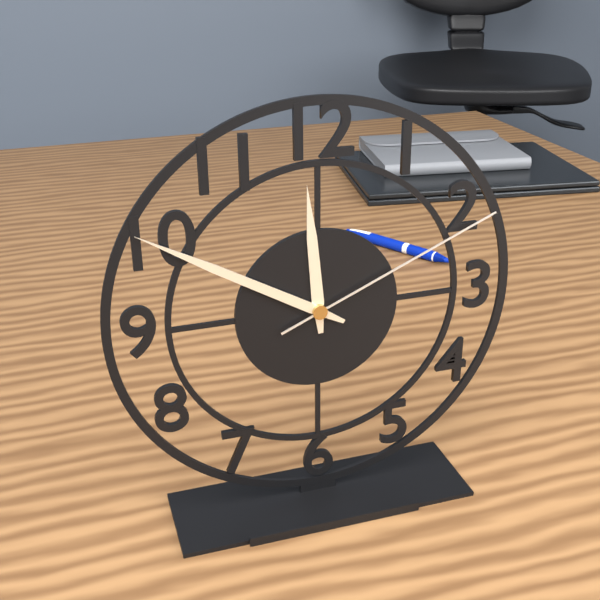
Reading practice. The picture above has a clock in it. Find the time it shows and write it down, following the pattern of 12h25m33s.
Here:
11h50m11s
